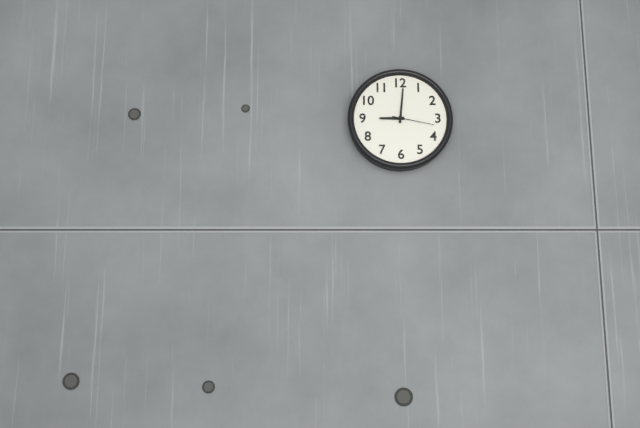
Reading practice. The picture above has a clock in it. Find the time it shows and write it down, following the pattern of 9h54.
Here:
9h01
